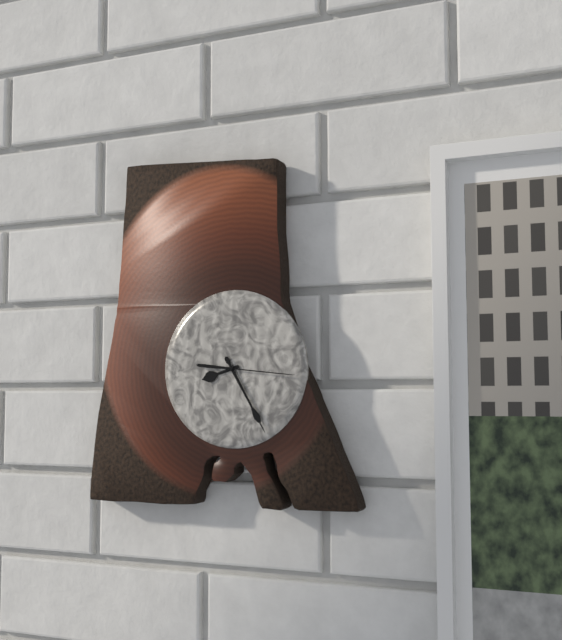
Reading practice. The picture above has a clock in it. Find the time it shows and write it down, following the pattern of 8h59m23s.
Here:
8h25m16s
